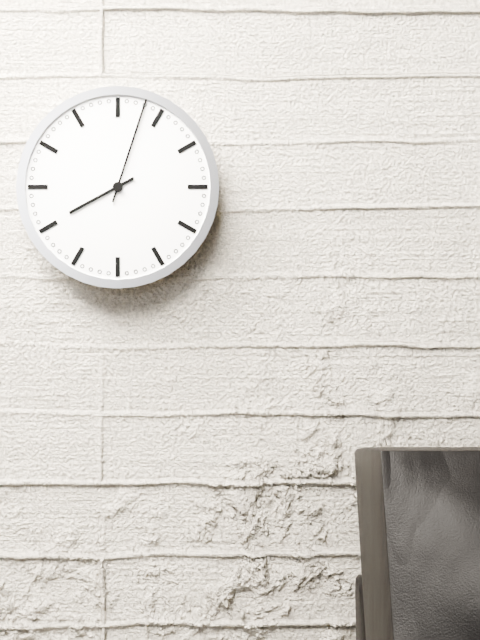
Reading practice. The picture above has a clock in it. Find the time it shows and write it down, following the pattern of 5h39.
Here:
8h03
